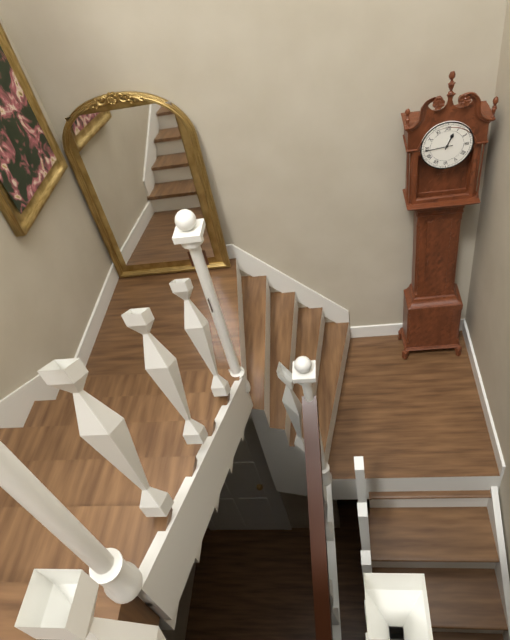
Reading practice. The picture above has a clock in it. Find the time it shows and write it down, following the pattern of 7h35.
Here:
12h44
